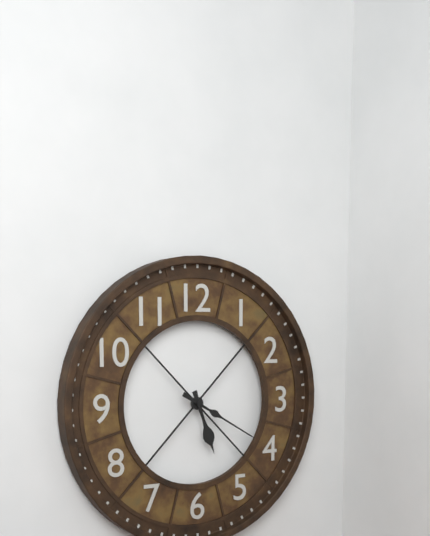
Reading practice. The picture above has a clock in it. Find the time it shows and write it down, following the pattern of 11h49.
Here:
5h20
